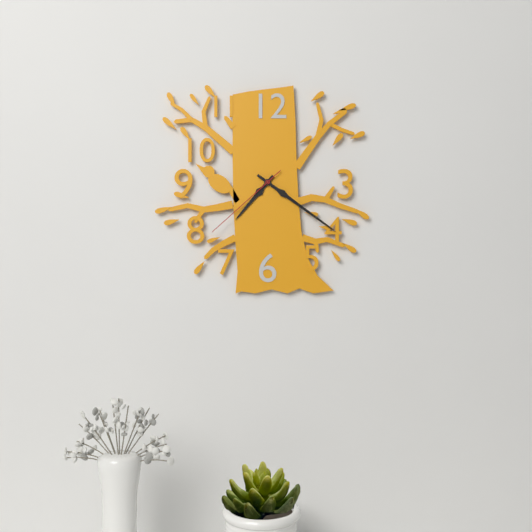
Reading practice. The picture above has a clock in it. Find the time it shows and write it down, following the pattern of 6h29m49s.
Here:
7h21m38s
